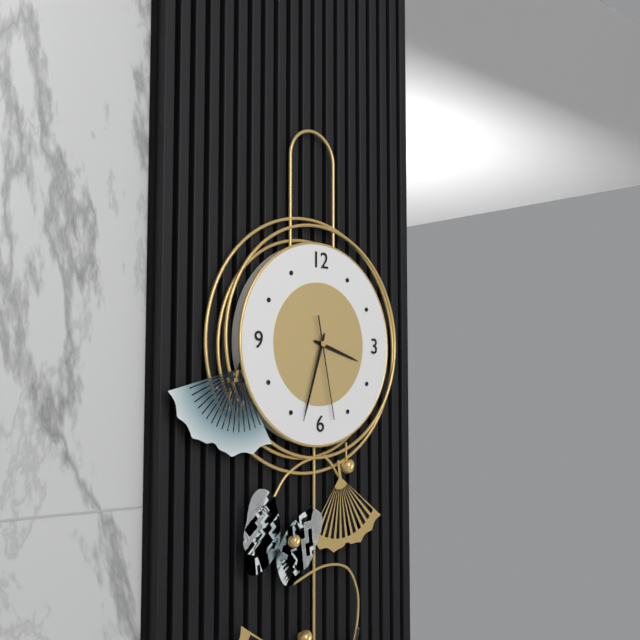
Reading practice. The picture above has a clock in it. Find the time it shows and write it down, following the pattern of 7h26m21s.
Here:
3h33m28s
